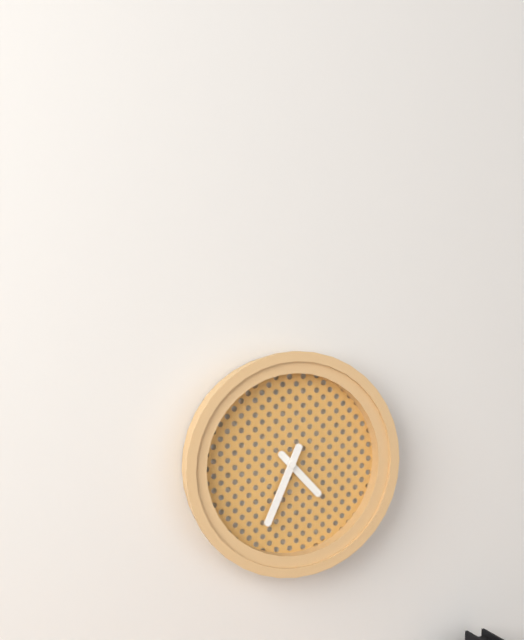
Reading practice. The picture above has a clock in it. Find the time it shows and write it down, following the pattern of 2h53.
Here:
4h34
